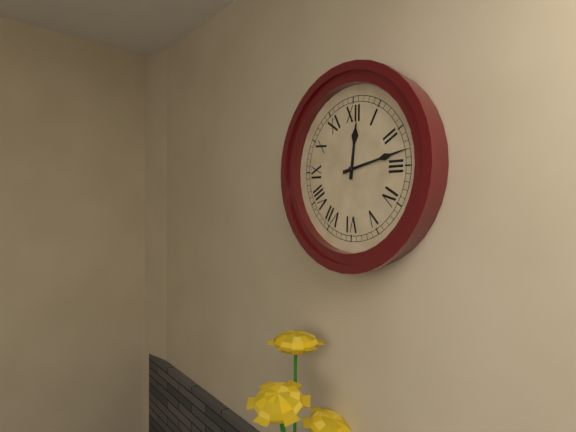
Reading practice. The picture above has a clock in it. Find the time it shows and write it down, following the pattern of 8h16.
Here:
12h13
